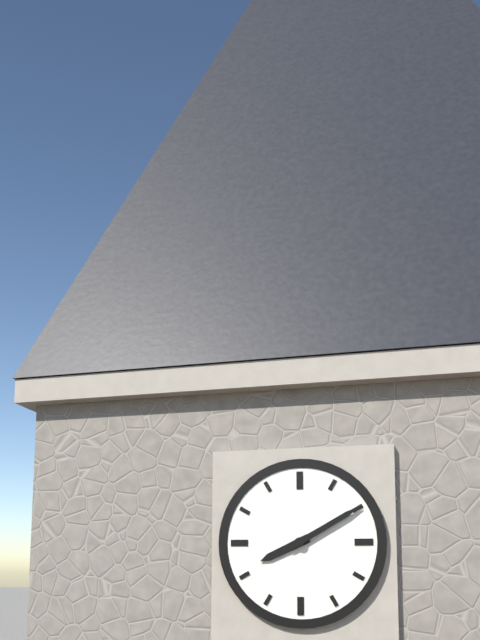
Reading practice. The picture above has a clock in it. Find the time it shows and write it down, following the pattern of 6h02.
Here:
8h10
